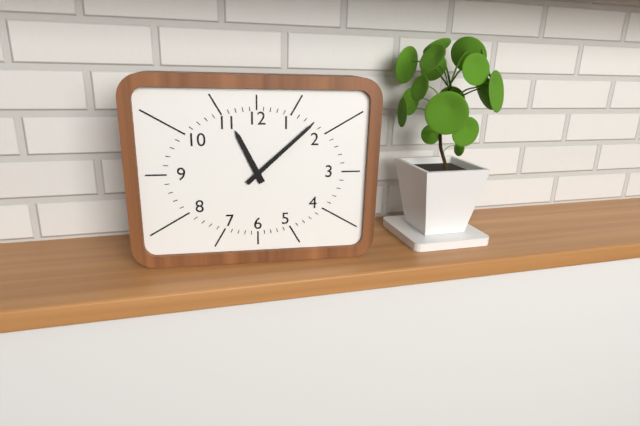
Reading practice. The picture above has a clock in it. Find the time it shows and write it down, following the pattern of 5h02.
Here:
11h08
